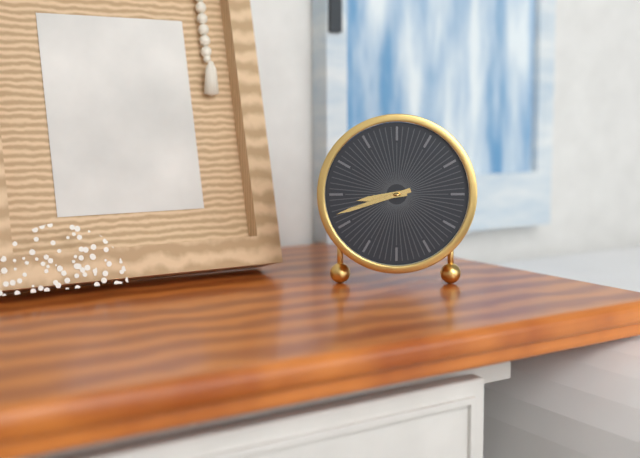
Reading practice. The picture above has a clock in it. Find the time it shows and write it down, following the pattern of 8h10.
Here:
8h42
